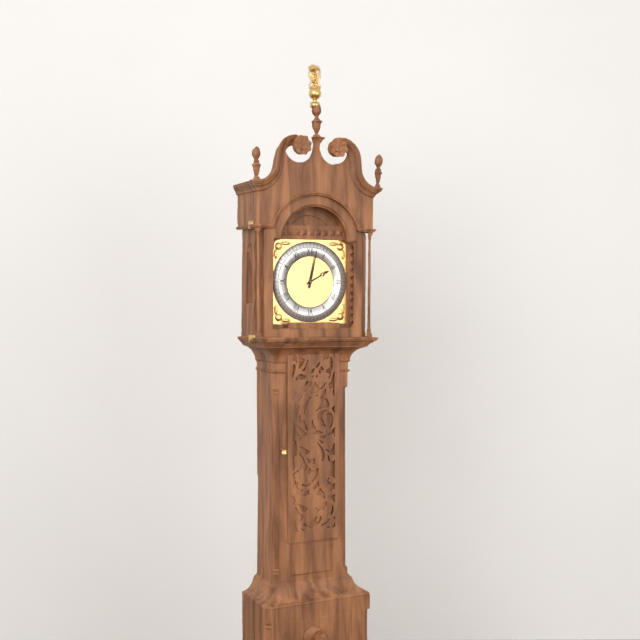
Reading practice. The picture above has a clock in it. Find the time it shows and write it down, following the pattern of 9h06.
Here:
2h02
